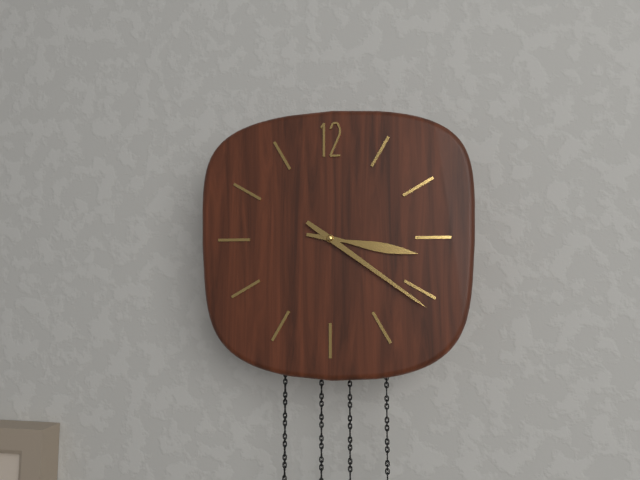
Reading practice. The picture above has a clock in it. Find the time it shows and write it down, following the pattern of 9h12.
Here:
3h21
